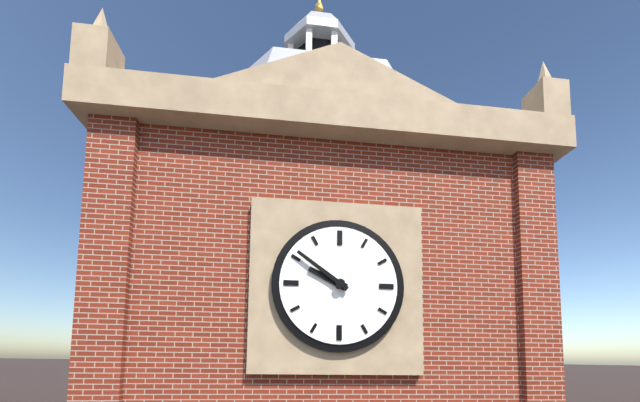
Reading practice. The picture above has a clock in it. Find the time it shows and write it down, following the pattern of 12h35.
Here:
9h51
